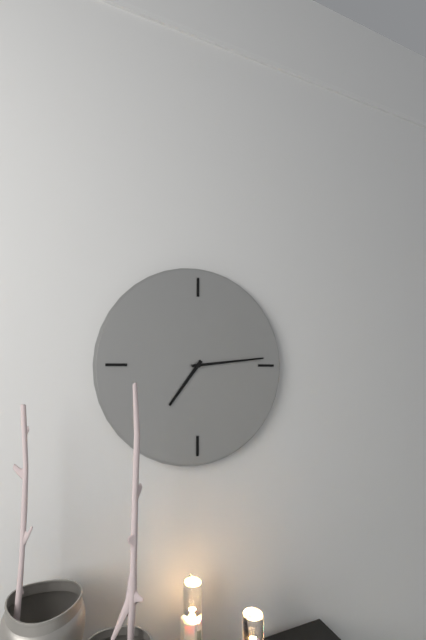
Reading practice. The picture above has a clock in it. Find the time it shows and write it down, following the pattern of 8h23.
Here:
7h14
